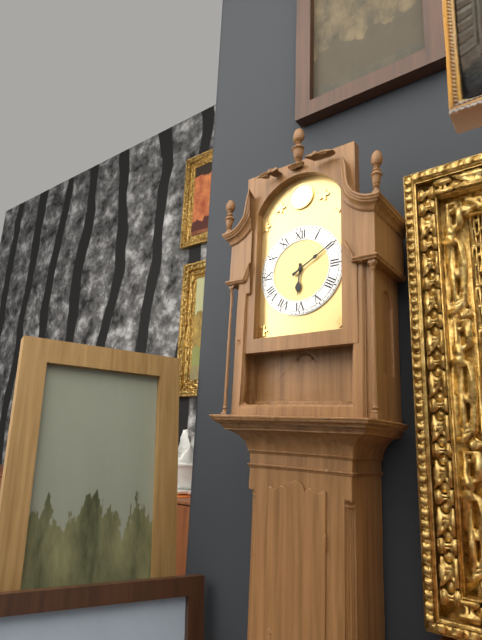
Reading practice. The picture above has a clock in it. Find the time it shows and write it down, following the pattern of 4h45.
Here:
6h10
